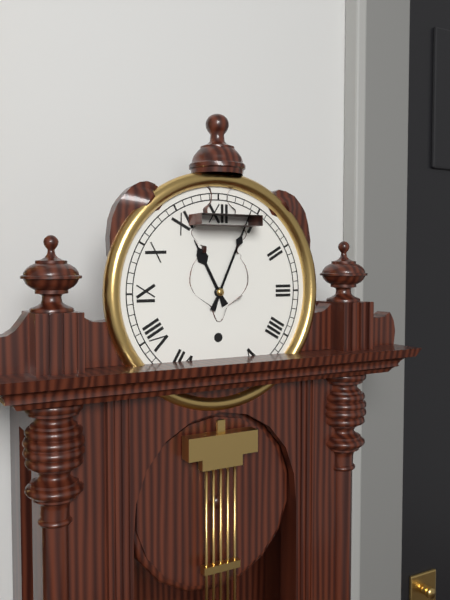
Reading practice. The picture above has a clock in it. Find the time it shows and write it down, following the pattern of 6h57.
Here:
11h04
